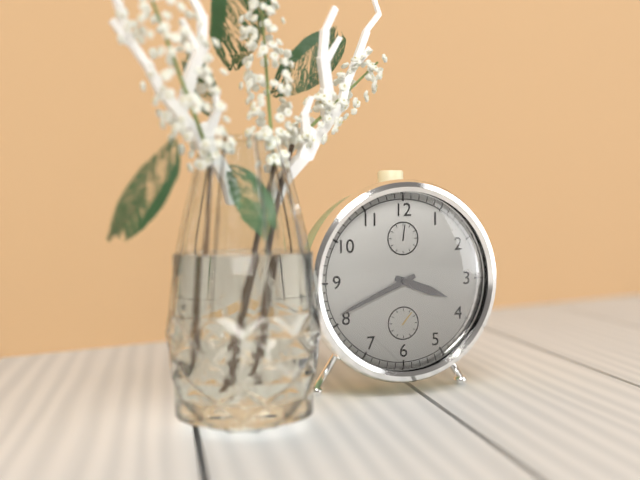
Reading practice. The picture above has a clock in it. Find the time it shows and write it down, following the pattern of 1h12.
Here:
3h41
